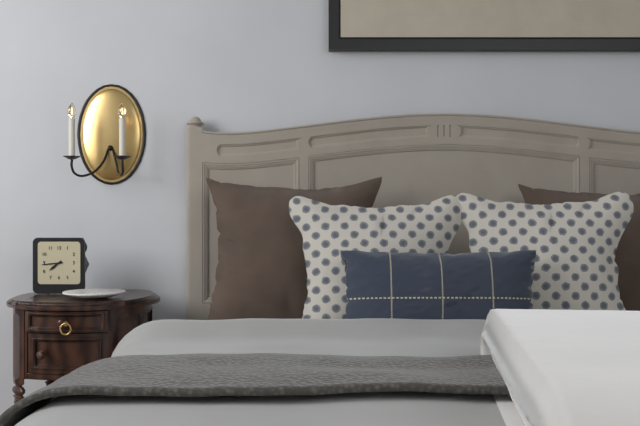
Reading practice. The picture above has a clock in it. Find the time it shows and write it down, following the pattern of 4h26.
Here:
7h44
